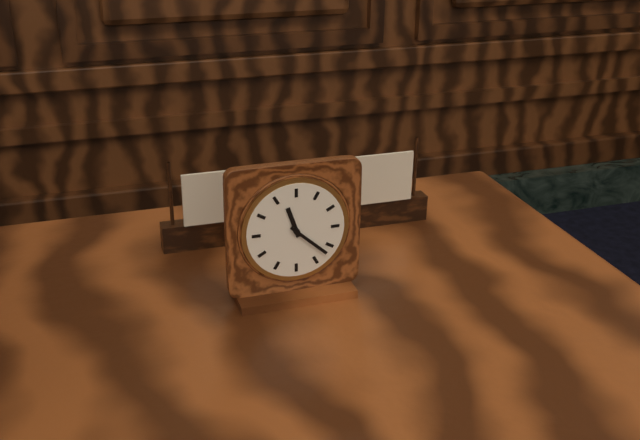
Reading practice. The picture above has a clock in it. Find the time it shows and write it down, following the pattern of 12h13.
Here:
11h22
